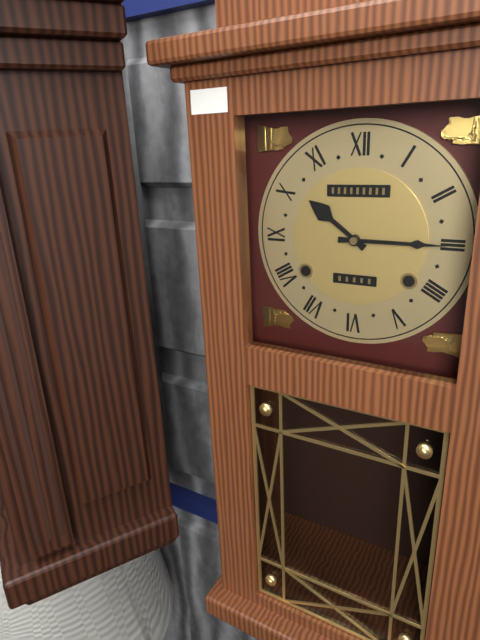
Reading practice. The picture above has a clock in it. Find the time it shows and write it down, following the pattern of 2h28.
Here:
10h15
